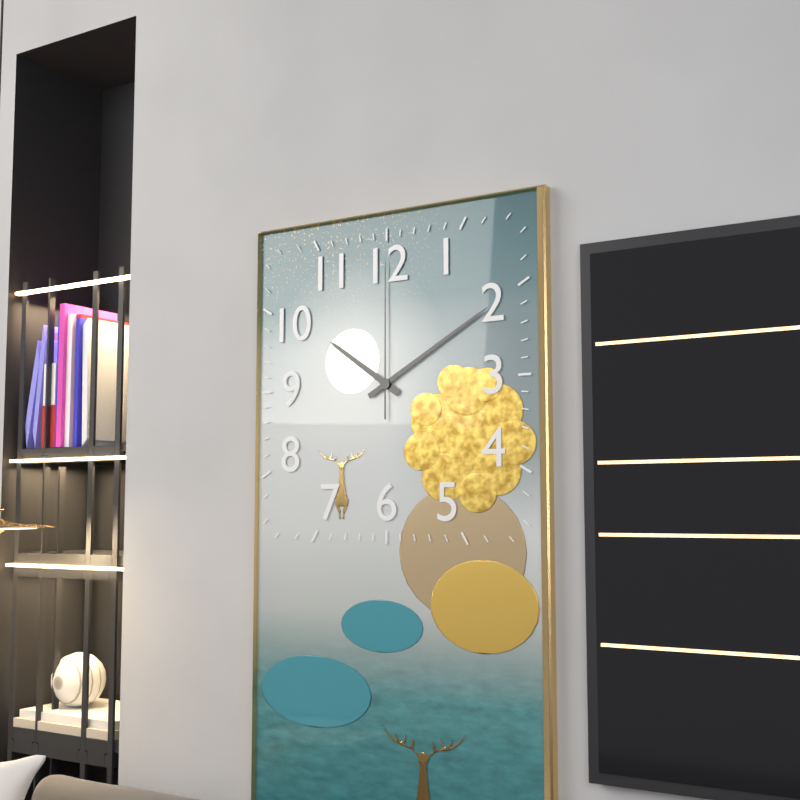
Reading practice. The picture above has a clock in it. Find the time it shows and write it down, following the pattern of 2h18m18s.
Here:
10h10m00s
